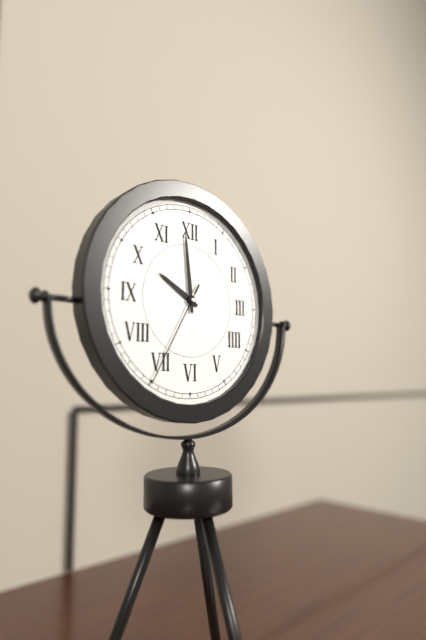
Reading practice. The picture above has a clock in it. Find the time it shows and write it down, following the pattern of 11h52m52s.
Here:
9h59m35s
